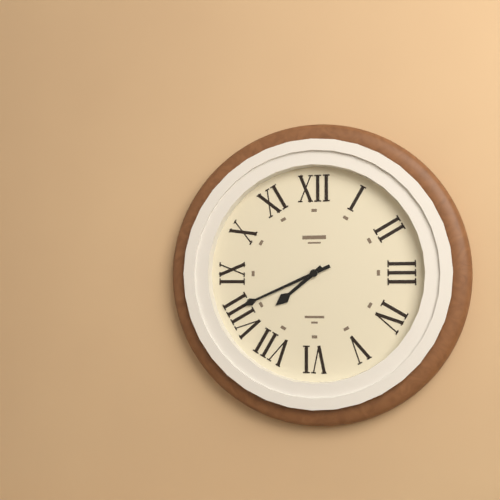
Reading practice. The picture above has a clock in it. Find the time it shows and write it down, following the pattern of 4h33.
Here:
7h41
